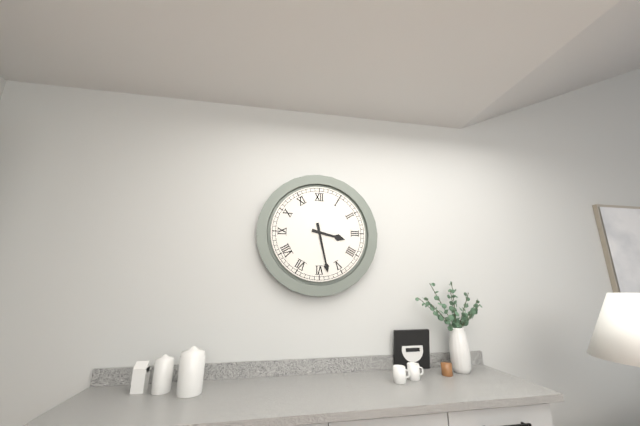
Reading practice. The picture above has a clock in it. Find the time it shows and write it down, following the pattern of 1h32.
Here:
3h28
